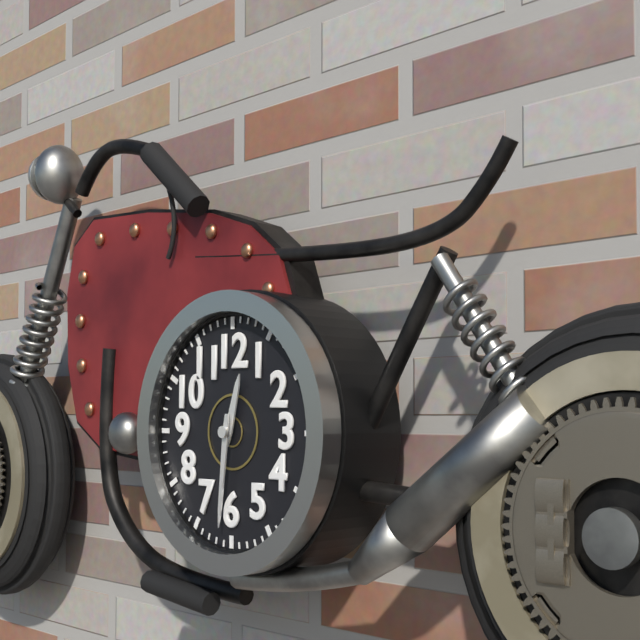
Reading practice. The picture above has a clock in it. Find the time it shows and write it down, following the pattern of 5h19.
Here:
12h31
